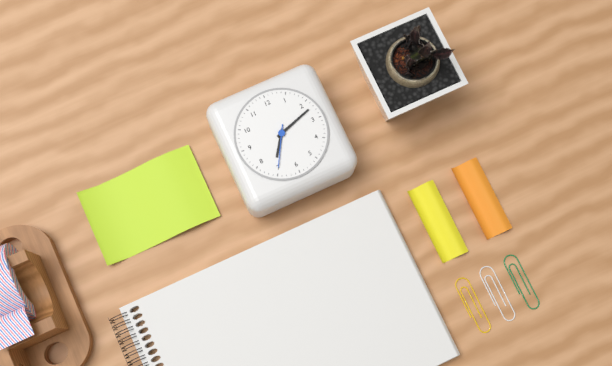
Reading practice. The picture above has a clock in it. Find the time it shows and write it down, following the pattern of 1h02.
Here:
7h12
